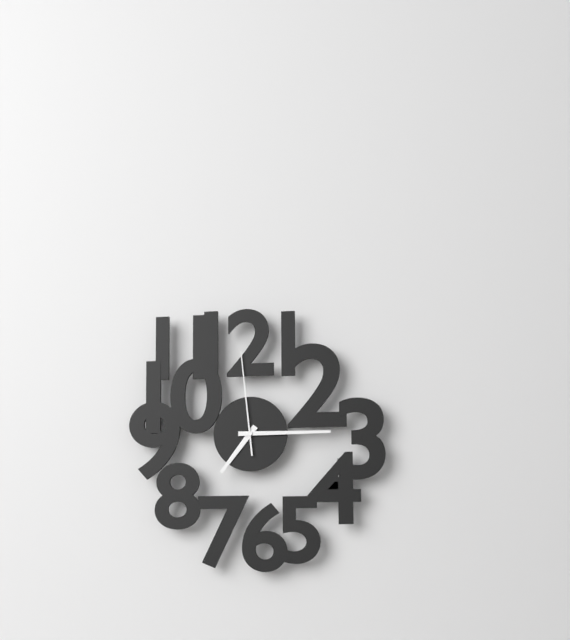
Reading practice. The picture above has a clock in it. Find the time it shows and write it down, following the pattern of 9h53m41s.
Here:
7h15m59s
